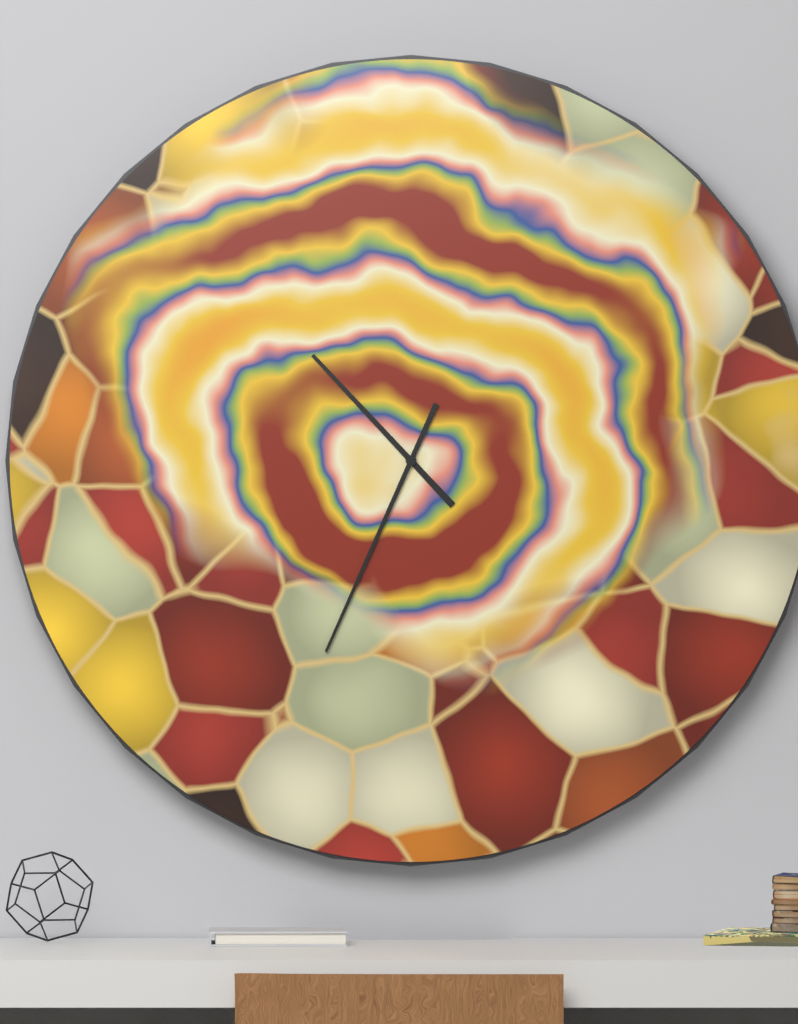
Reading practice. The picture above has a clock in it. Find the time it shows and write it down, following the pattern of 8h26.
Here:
10h34
